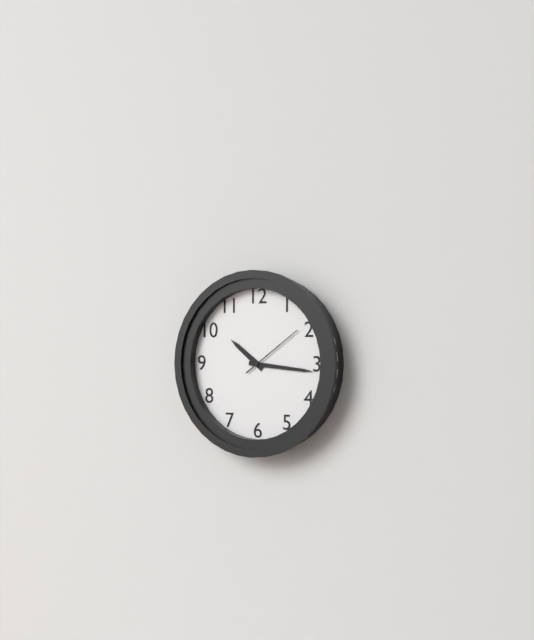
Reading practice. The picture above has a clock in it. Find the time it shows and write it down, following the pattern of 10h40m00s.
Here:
10h16m09s
